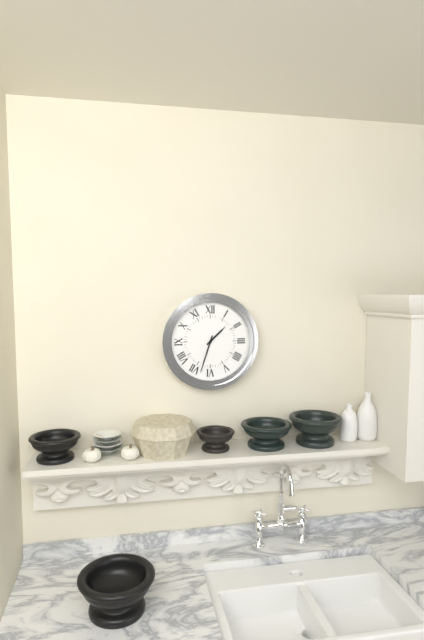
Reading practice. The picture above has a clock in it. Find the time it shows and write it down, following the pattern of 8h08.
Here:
1h33
